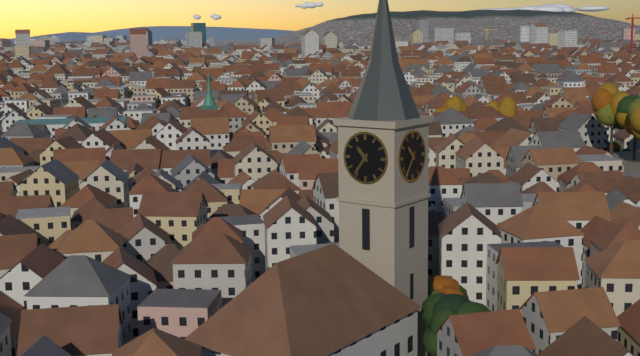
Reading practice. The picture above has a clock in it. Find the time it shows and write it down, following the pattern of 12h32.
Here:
10h36
